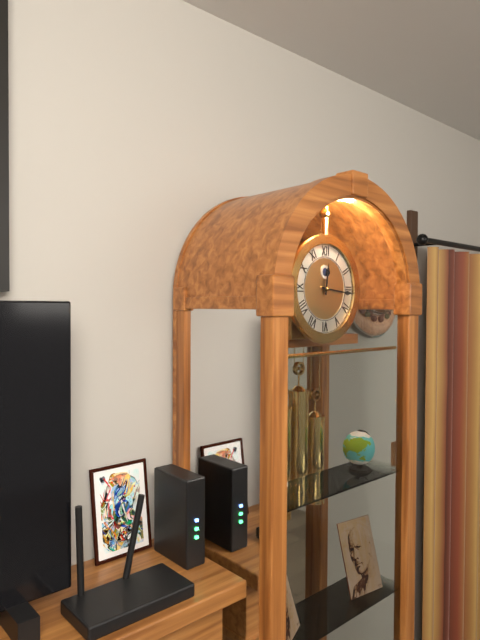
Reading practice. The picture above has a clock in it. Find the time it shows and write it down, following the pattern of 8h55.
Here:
12h16
